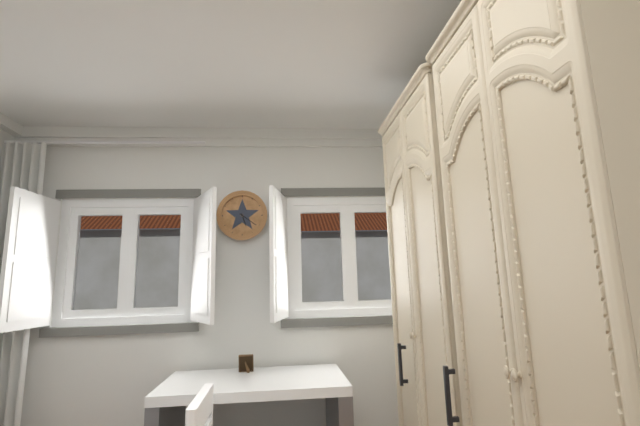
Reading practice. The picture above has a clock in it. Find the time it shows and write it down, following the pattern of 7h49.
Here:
5h21
